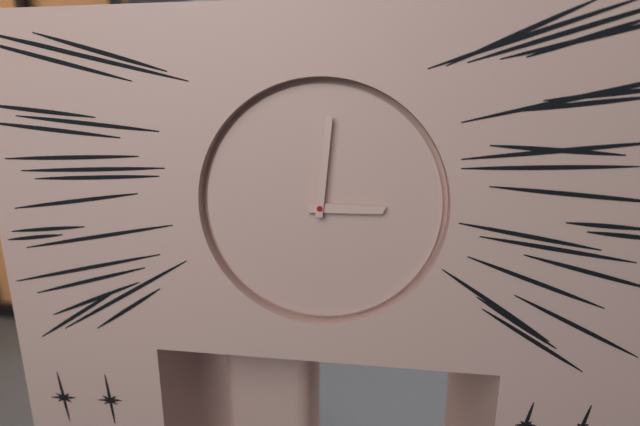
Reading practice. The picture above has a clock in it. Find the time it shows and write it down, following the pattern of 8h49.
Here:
3h01
